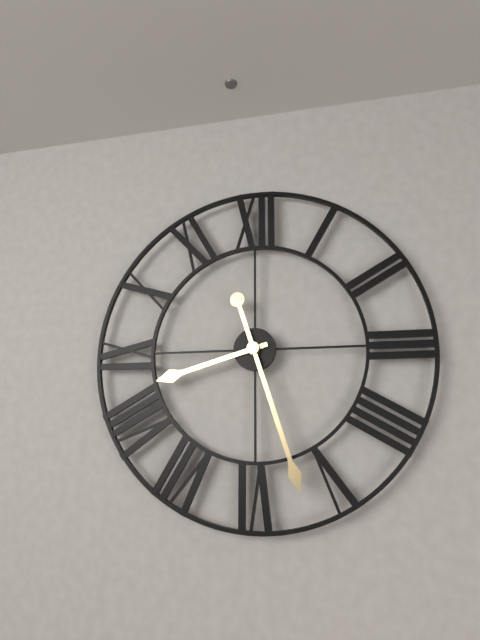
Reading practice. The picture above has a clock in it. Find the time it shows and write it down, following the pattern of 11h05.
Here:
8h27
